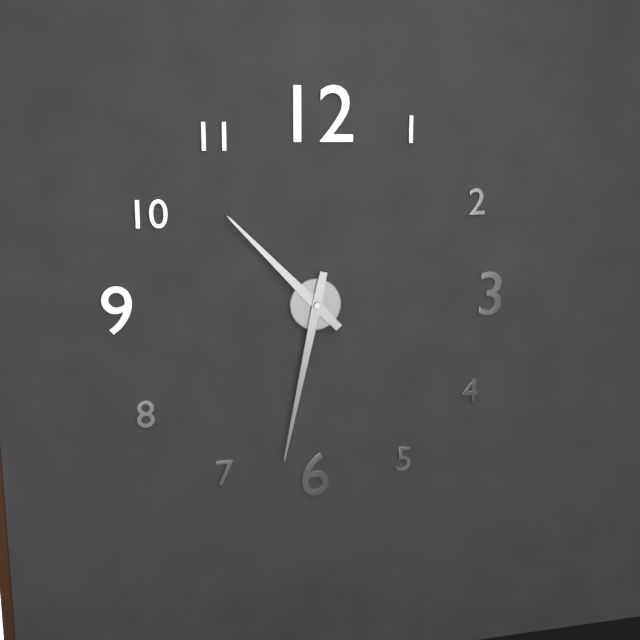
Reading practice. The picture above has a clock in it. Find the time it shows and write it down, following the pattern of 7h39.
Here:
10h32
